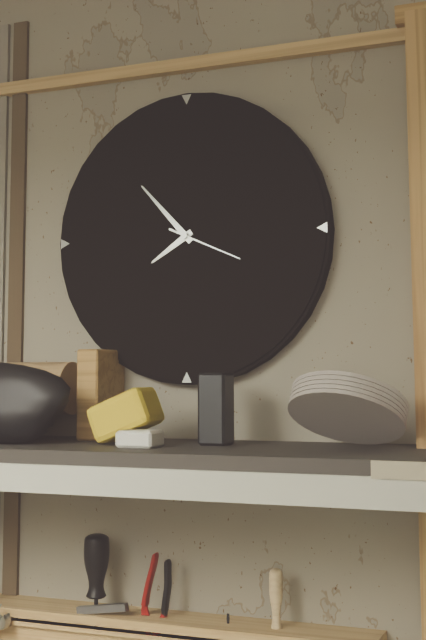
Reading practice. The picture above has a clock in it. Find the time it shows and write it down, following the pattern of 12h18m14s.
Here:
7h53m19s
